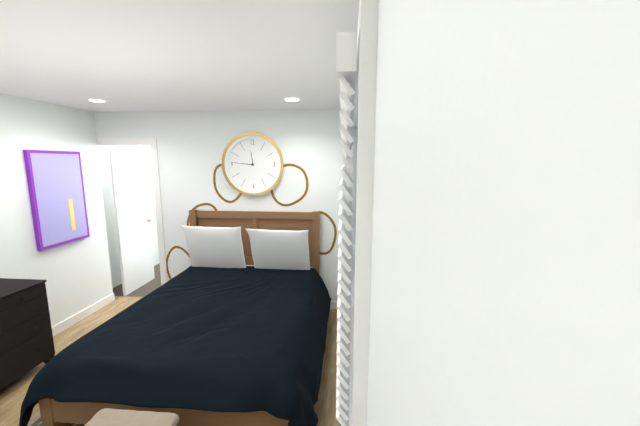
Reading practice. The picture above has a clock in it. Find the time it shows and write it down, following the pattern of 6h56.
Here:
11h46
